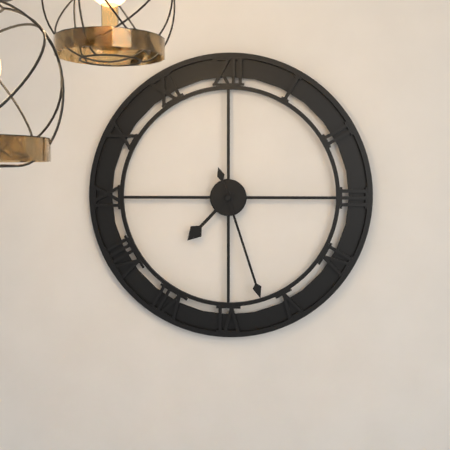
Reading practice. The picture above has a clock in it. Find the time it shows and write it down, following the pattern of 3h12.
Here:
7h27
